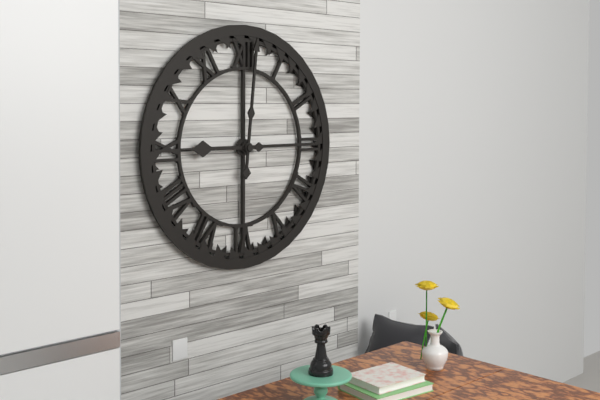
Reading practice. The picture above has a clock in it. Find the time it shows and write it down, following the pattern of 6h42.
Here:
9h01
